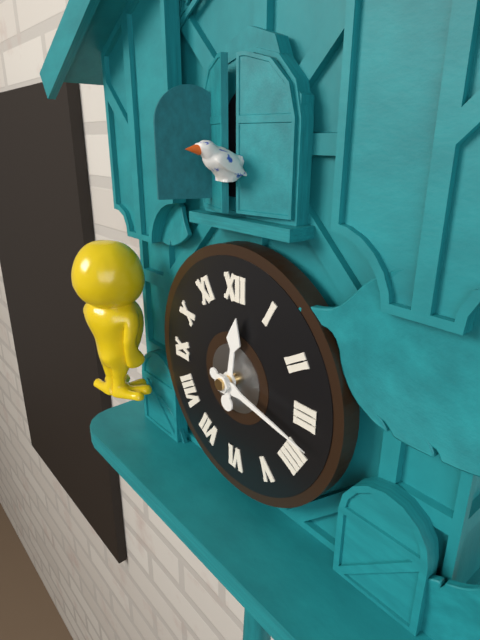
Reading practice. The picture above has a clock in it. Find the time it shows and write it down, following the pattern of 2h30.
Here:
12h17
